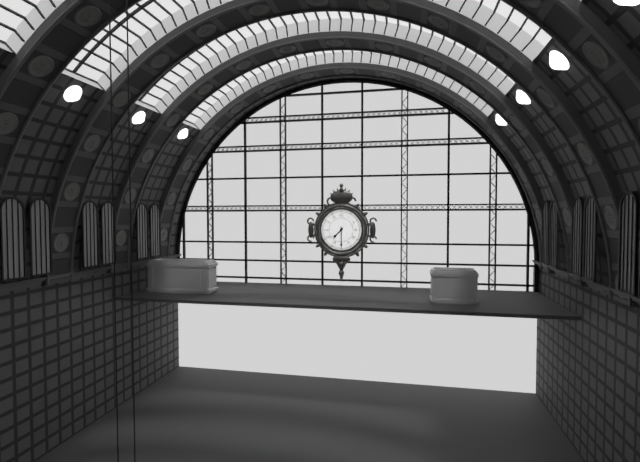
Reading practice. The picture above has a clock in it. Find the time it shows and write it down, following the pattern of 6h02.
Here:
7h30
